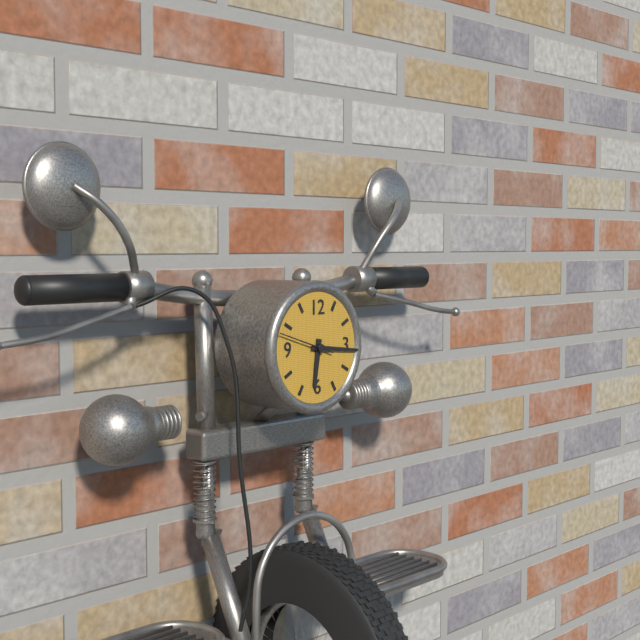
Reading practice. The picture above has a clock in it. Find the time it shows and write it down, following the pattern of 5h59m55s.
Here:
6h16m48s
